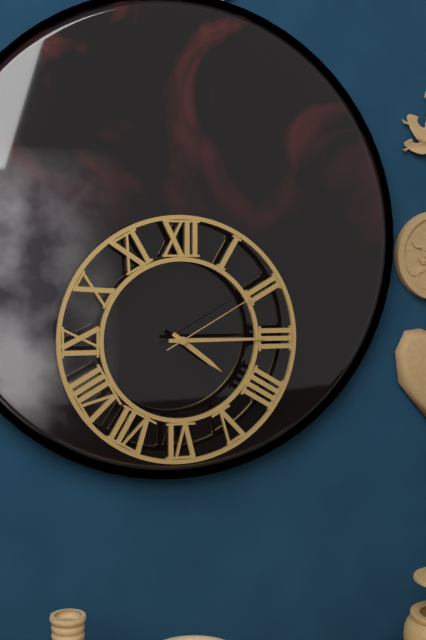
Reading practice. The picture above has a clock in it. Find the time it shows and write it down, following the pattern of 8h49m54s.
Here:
4h15m10s
